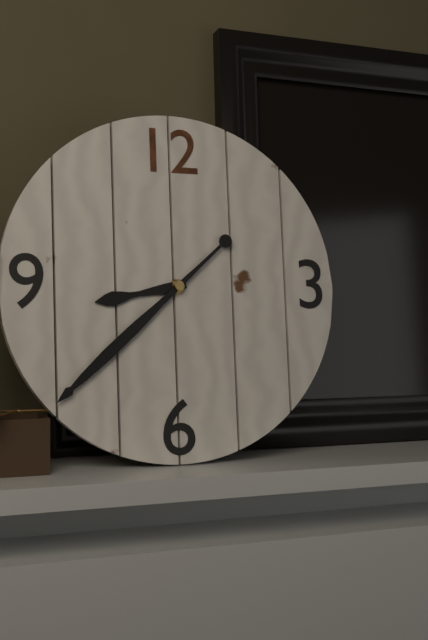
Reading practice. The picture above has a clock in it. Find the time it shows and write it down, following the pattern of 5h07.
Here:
8h38
